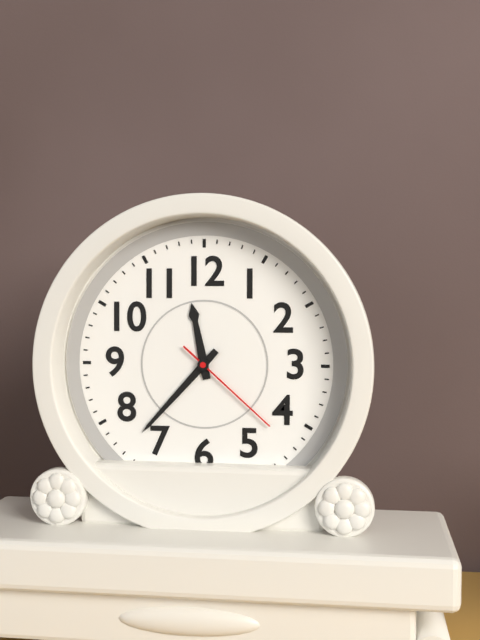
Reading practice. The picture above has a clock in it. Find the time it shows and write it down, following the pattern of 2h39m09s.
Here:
11h37m22s
